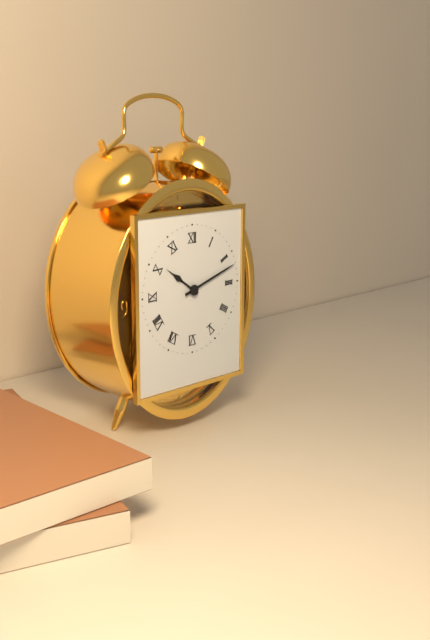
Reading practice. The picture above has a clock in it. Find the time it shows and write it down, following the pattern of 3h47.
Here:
10h12
